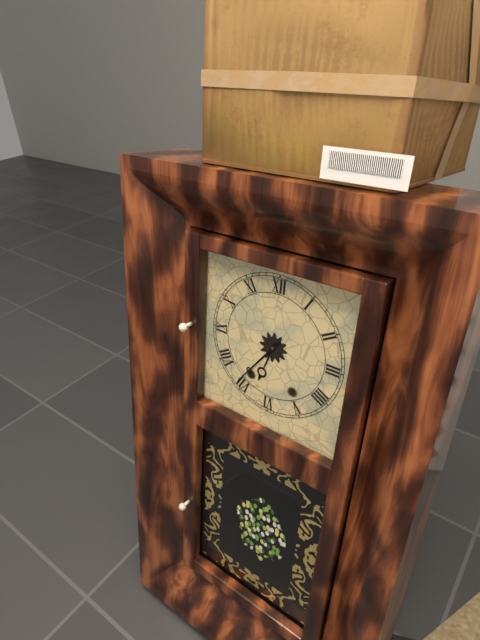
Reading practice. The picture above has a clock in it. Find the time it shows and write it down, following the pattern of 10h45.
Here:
6h36
